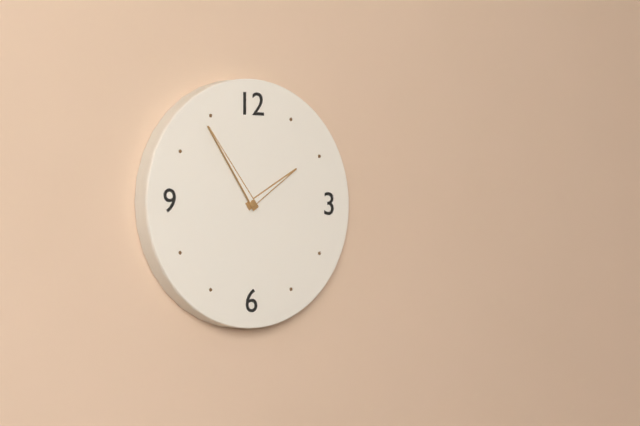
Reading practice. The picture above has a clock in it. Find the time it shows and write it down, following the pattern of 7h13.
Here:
1h54
